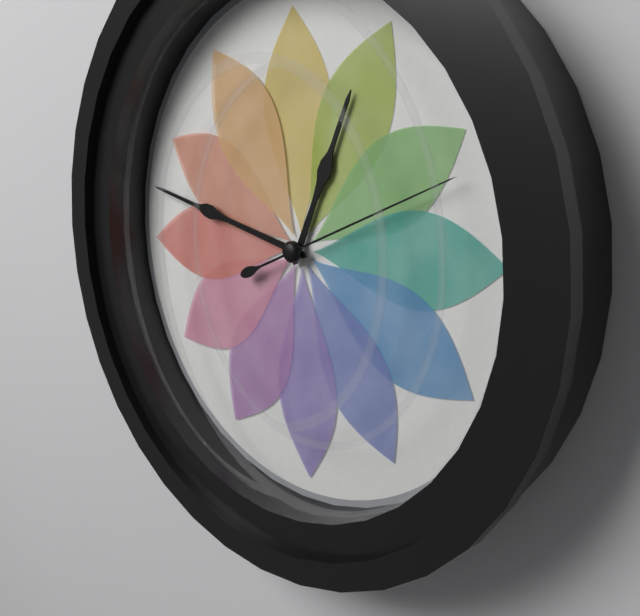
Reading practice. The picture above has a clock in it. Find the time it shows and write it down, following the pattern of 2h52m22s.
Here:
12h47m11s
